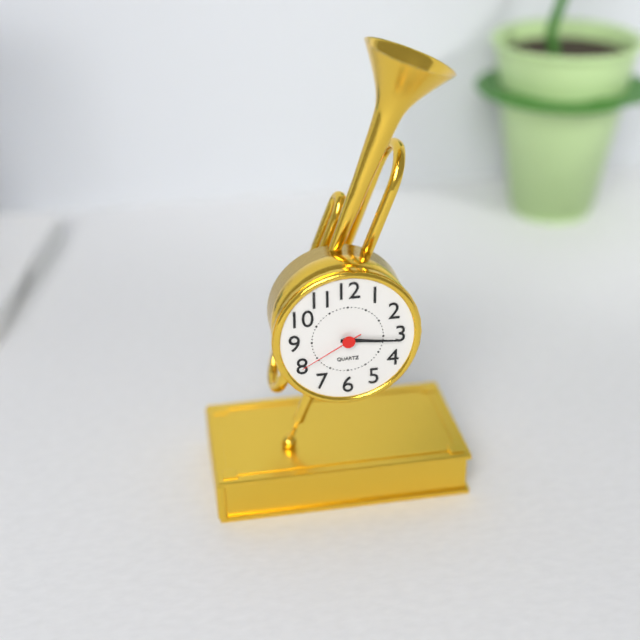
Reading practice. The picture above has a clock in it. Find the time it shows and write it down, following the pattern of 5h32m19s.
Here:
3h16m40s
